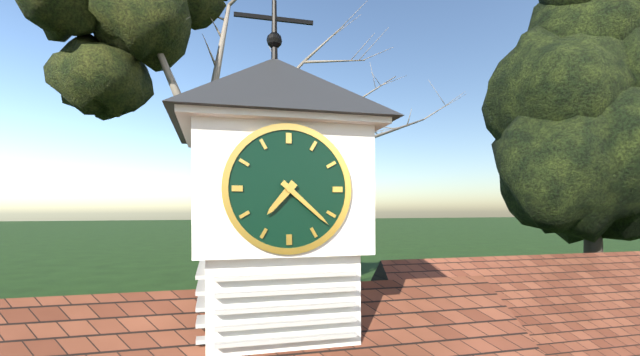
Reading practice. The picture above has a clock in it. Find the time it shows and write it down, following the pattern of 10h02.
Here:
7h22
